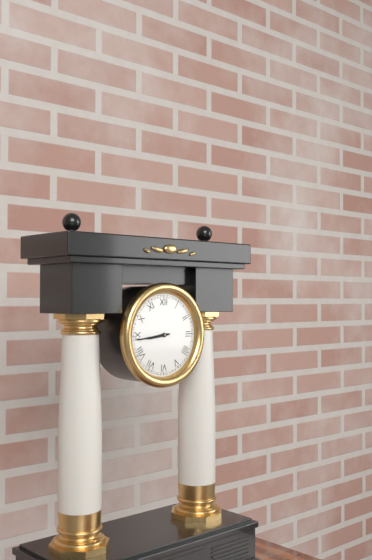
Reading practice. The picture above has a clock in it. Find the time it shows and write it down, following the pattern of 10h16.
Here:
8h44
